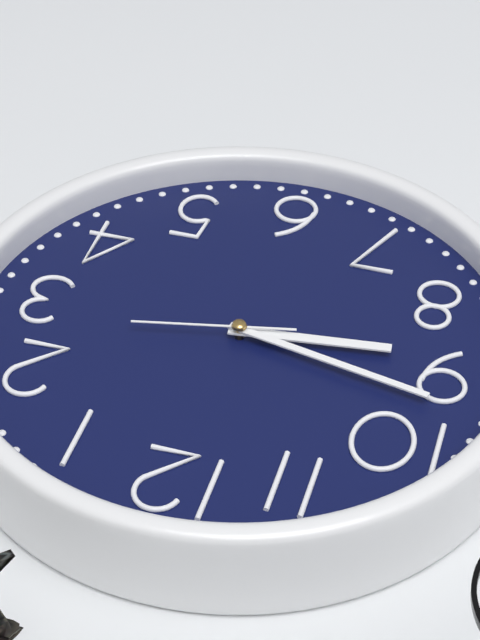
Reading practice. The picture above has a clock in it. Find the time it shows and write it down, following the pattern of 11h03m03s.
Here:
8h47m13s
